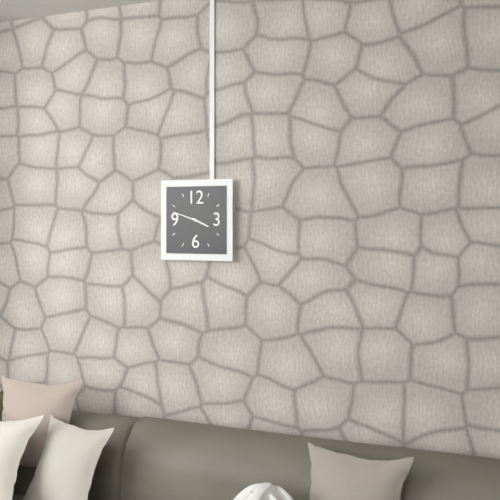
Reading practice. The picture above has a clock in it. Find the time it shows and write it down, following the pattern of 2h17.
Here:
3h48
